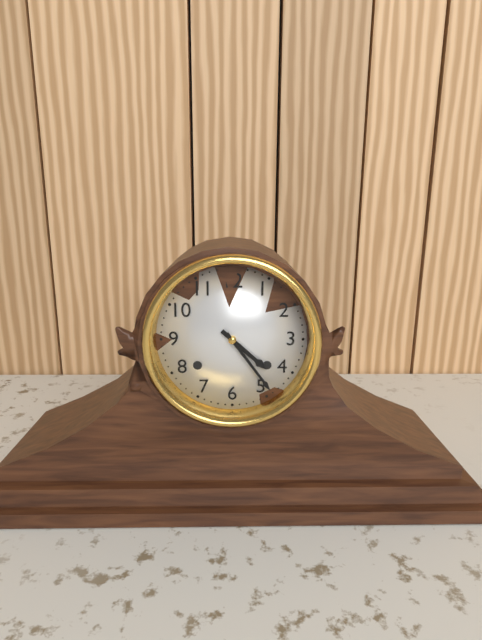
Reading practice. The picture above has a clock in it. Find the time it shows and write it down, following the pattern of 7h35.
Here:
4h24
